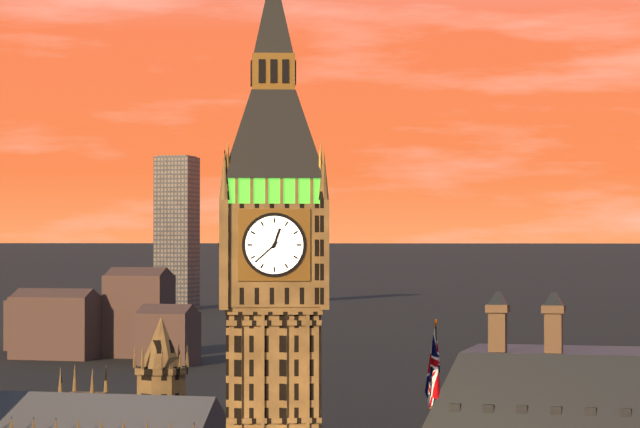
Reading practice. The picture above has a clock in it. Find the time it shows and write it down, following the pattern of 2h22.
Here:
12h38
